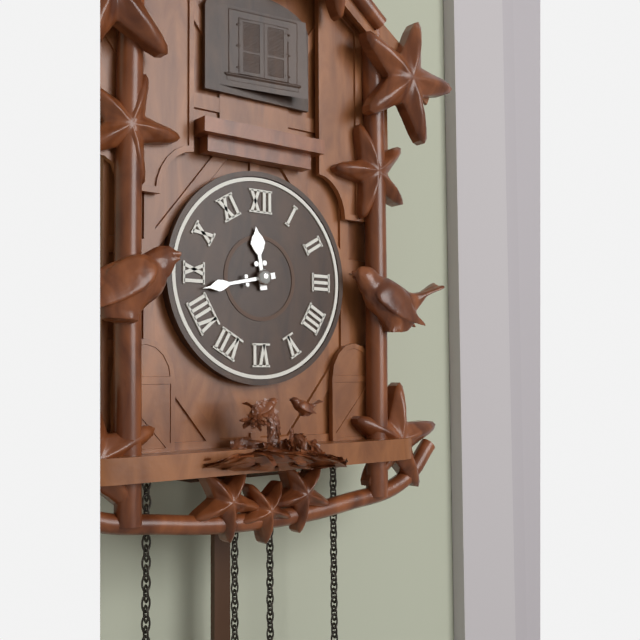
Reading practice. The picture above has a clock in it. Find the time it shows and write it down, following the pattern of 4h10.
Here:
11h43
